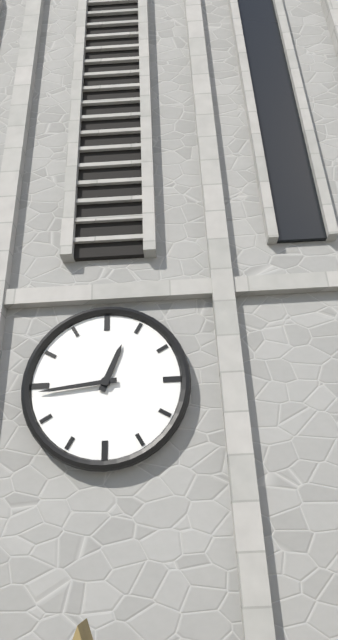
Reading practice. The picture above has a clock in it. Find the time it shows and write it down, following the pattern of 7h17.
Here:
12h44
